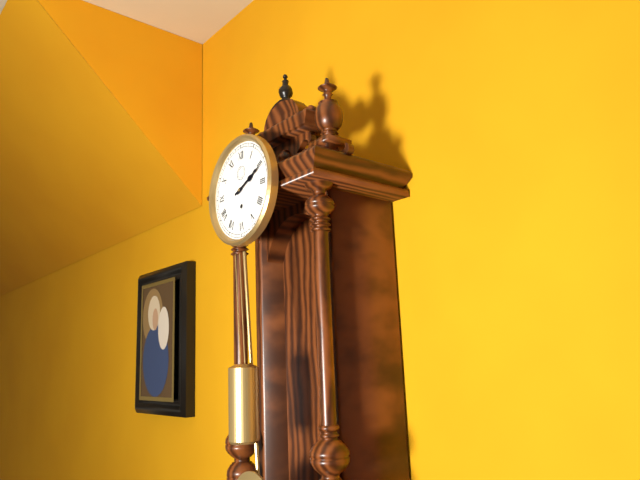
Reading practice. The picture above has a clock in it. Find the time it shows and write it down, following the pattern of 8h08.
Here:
2h11
